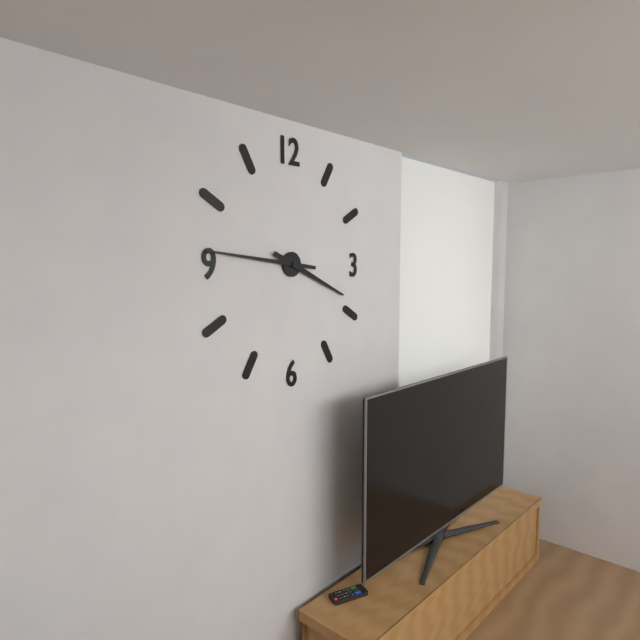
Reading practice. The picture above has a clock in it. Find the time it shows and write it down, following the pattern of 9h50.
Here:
3h46
